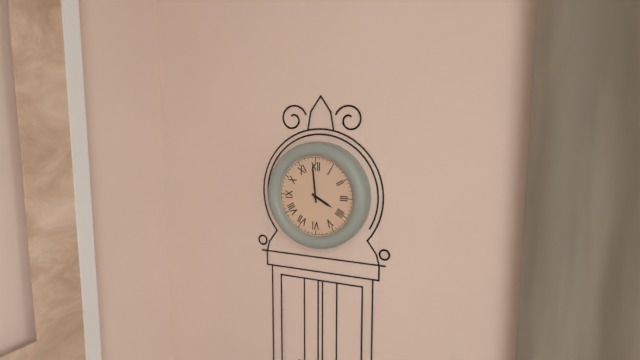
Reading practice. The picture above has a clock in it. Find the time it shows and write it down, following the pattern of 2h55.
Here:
3h59
